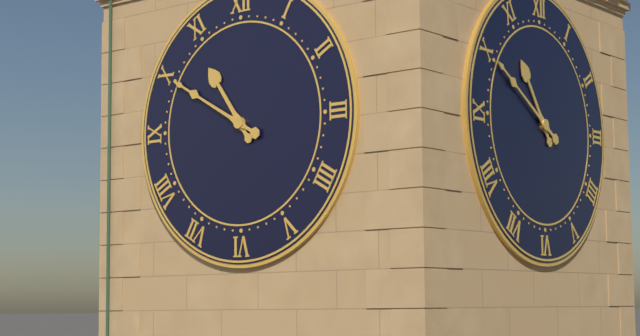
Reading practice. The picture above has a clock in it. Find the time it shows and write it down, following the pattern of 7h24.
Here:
10h50
